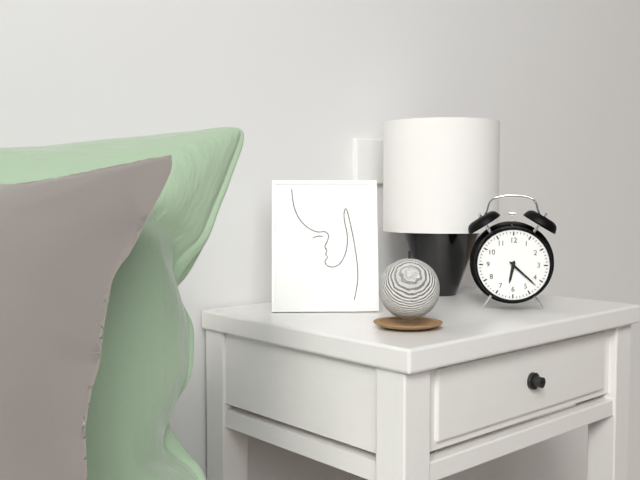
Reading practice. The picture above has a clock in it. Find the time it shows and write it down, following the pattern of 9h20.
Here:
6h22
